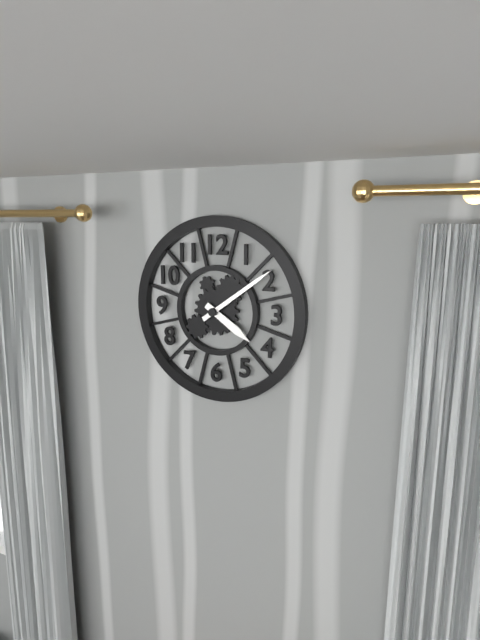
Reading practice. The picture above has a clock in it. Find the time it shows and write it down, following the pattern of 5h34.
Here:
4h09
